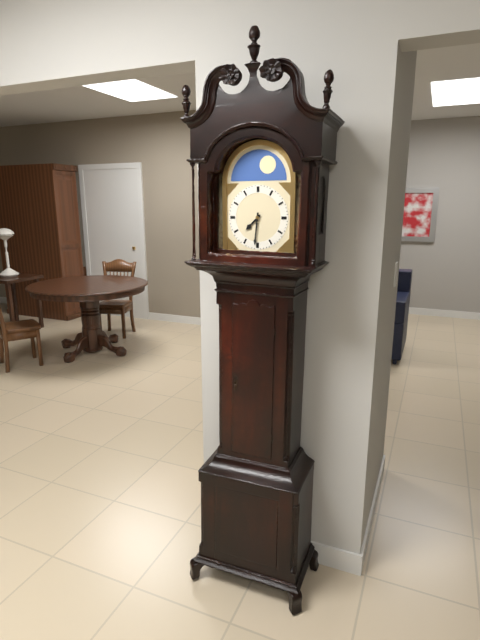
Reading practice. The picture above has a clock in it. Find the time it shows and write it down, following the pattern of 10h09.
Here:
7h31
